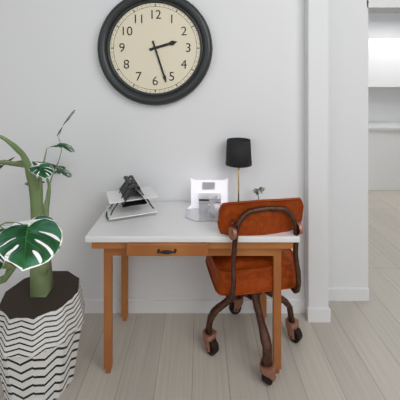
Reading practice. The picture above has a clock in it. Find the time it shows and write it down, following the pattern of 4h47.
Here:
2h27
